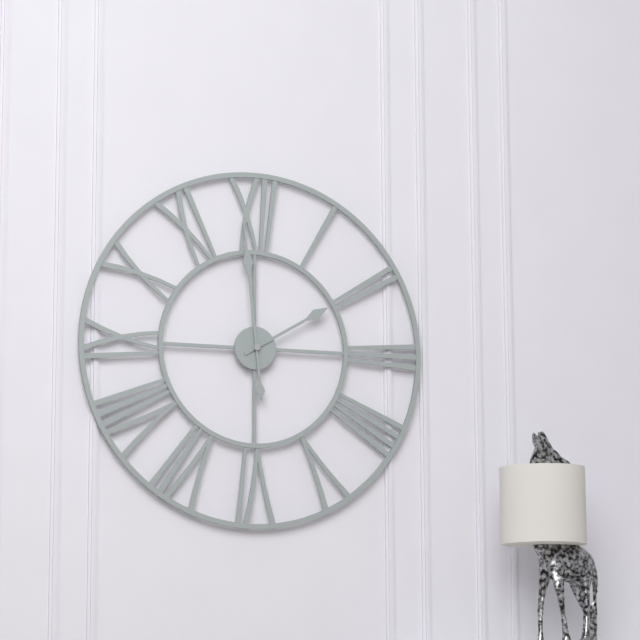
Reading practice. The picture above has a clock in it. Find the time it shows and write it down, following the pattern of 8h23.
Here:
1h59
